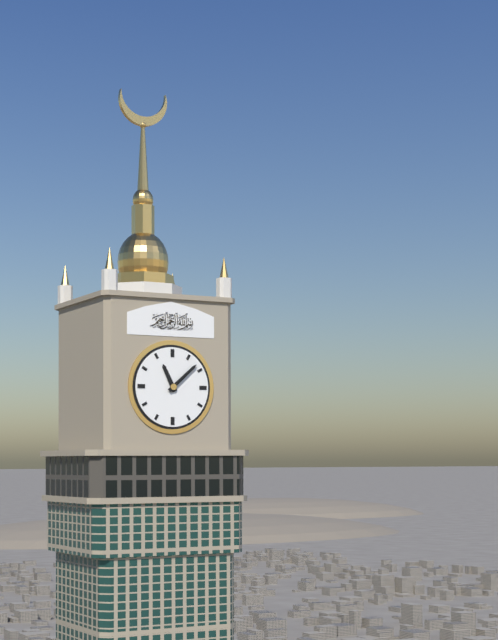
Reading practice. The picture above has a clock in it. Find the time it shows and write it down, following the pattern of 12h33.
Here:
11h08
